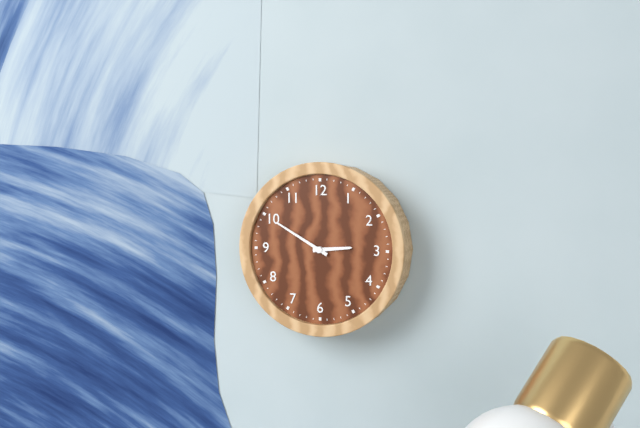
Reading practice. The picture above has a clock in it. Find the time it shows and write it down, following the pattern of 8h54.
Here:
2h50
